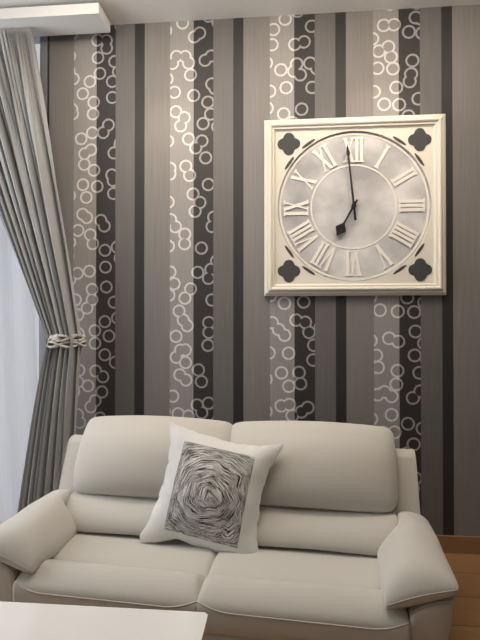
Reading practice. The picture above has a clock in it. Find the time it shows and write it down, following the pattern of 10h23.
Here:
6h59
